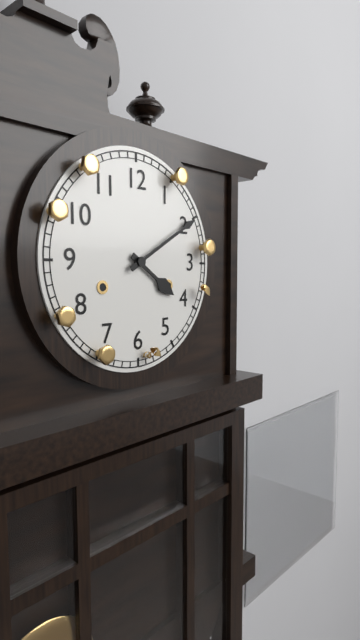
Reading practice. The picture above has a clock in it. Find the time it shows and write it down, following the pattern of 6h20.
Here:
4h10
